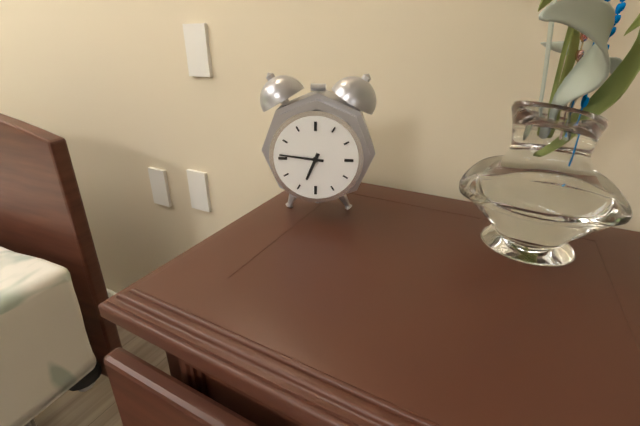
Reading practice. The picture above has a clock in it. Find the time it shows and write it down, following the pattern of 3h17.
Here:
6h46
